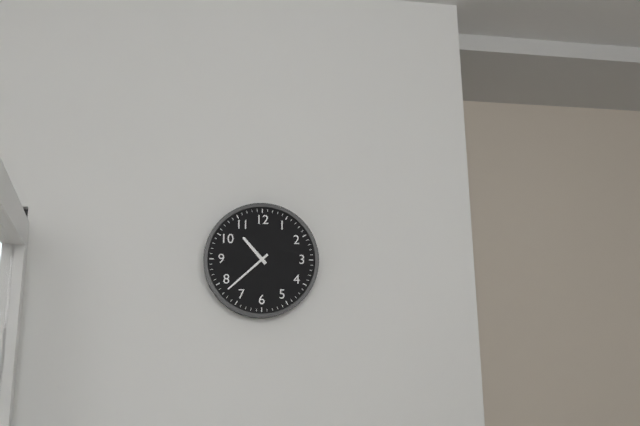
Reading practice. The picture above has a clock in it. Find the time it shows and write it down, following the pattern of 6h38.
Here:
10h38
